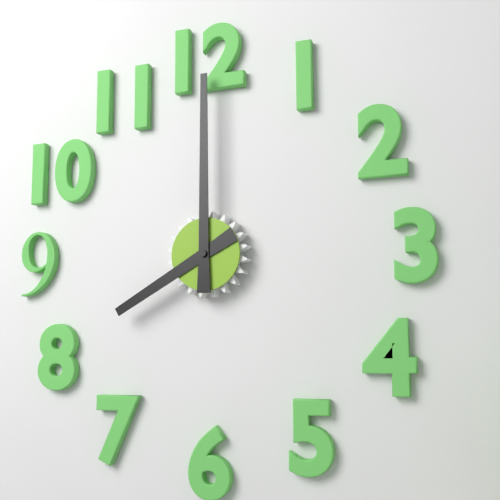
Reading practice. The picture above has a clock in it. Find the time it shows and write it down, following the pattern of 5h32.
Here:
8h00
